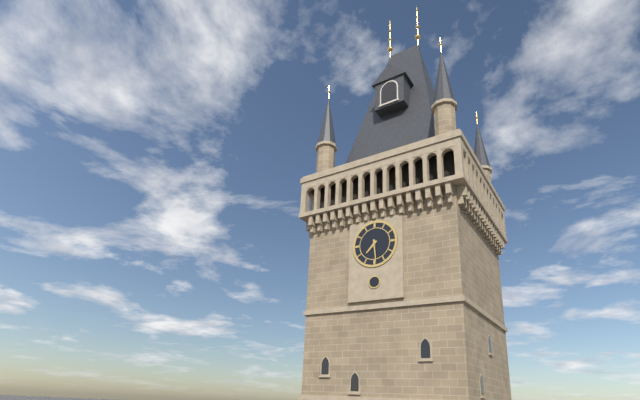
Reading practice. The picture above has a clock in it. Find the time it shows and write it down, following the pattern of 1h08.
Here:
7h29
